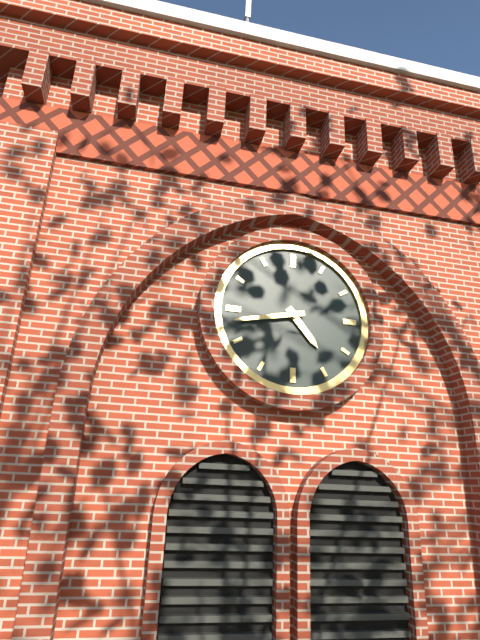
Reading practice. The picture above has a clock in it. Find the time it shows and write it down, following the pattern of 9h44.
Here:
4h43
